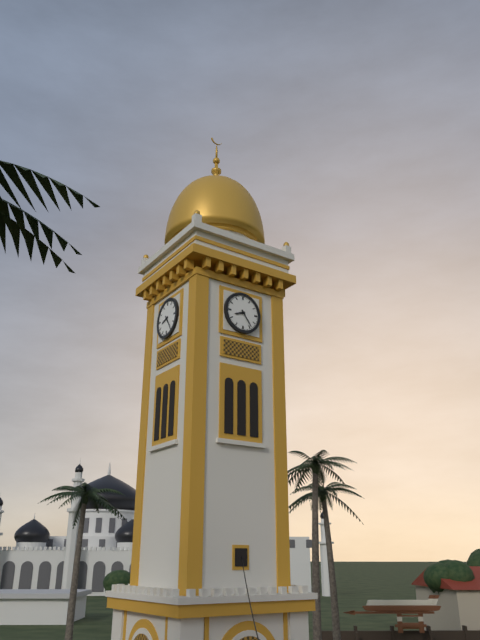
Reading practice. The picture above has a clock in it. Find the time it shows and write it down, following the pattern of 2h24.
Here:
8h24
